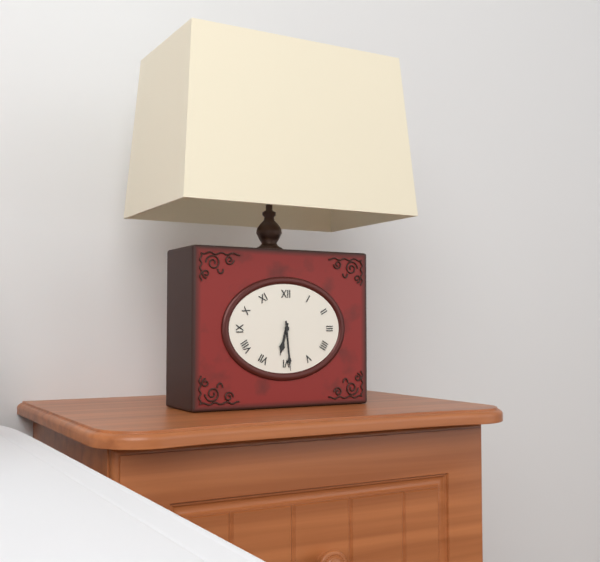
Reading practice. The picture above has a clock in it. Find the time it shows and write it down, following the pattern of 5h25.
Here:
6h29
